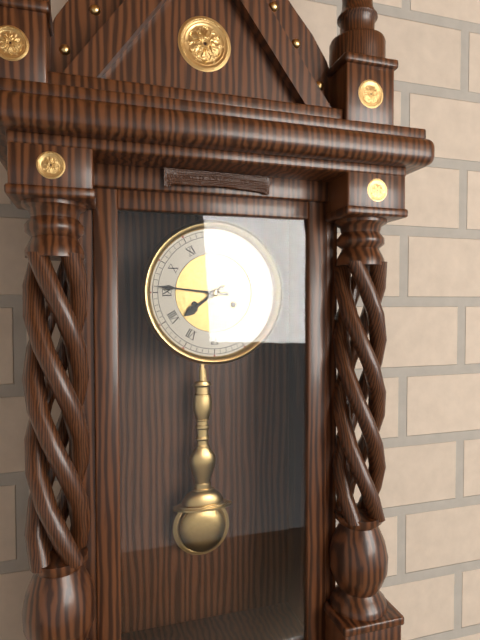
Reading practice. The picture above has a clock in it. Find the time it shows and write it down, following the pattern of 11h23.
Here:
7h46
